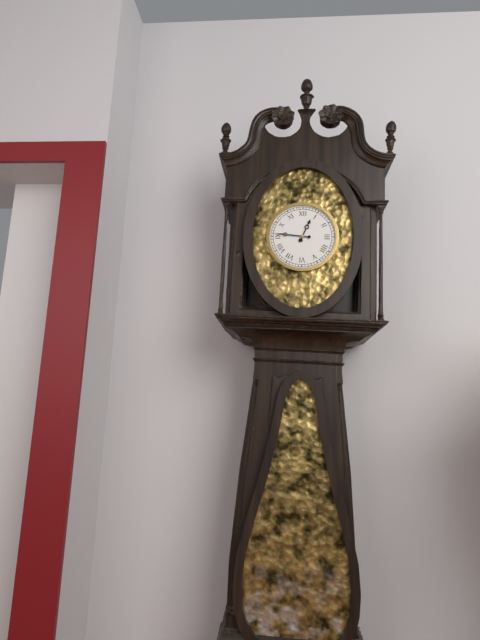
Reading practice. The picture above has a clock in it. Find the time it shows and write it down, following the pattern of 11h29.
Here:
12h46
